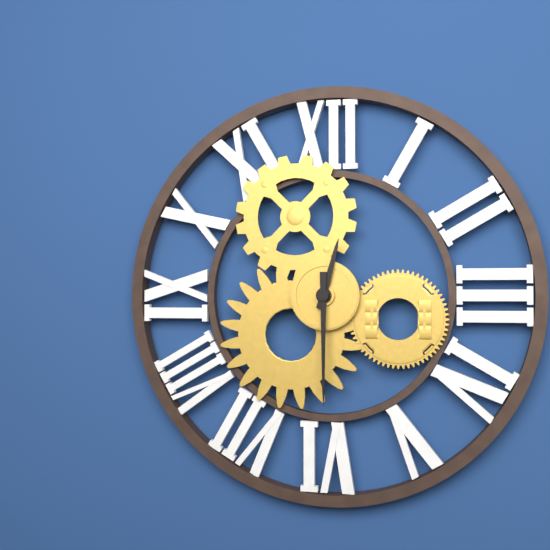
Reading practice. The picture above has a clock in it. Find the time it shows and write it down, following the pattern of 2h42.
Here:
12h30
